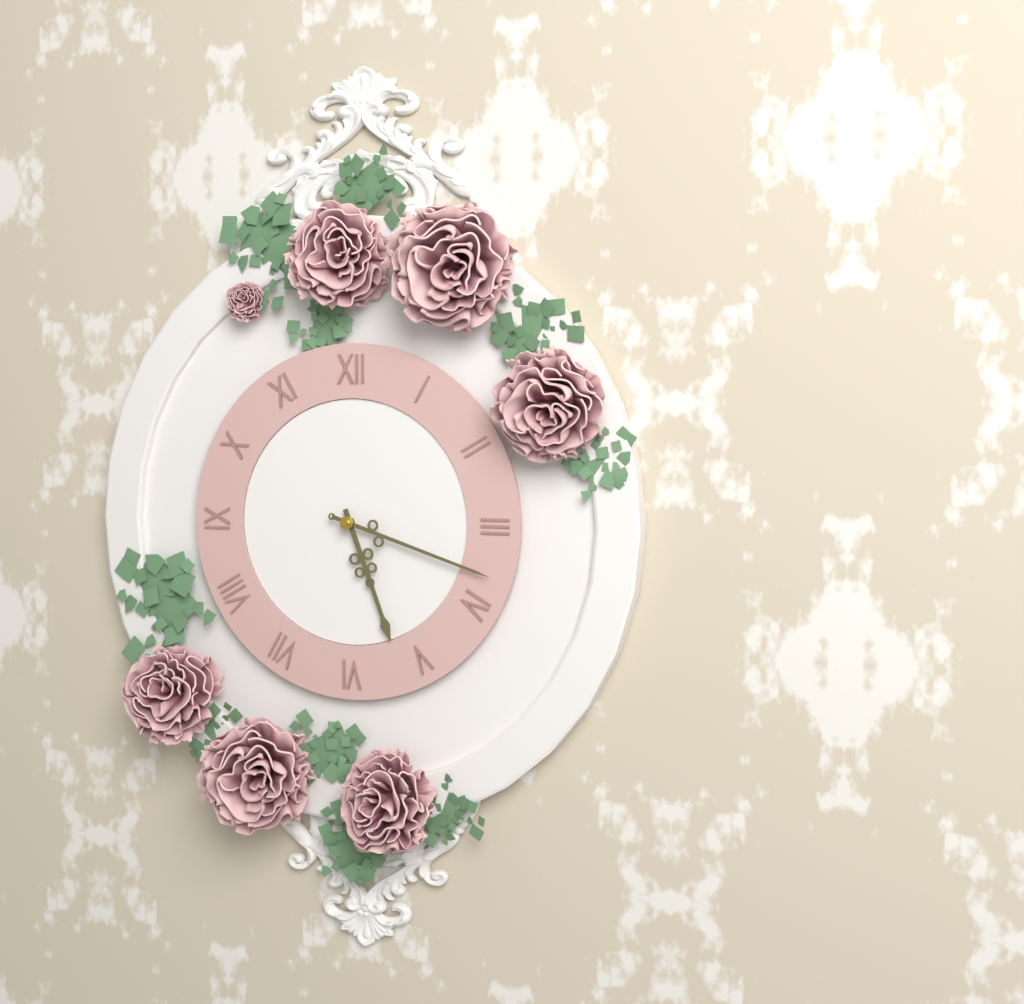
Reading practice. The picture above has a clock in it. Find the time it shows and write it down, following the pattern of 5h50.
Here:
5h18
